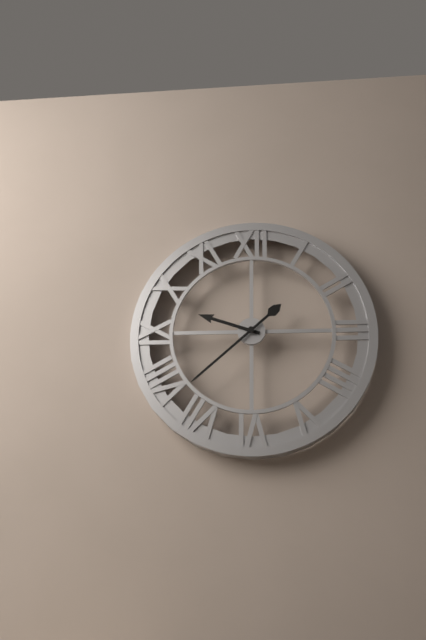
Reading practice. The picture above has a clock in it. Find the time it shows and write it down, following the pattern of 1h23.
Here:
9h38
